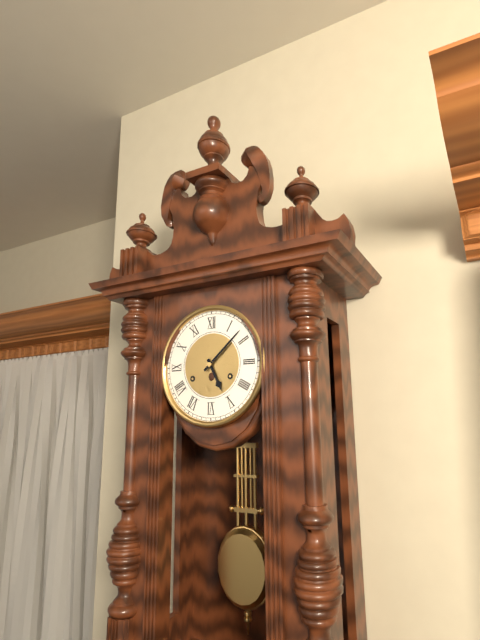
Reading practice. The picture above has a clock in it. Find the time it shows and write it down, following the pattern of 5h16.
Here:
5h08
